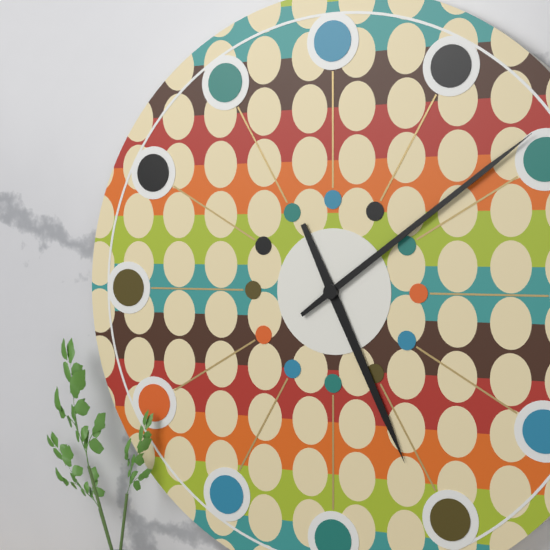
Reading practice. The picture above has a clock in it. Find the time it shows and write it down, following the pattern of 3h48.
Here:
5h09
